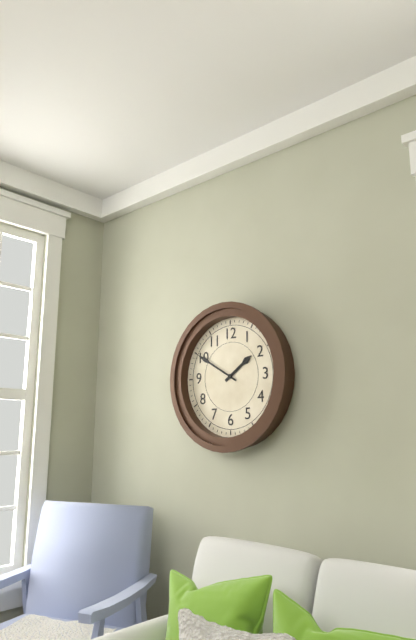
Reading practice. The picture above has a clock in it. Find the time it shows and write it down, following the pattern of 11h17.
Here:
1h50
